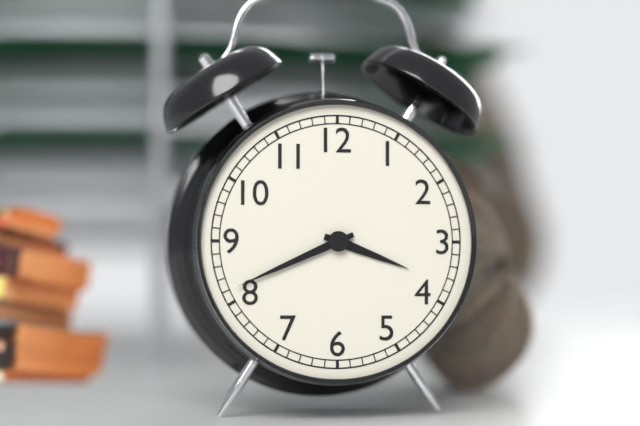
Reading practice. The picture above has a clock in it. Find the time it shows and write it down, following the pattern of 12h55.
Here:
3h41
